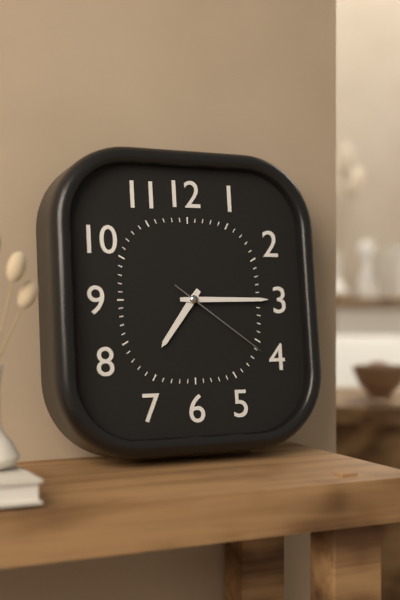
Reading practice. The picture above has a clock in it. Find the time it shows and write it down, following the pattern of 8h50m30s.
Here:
7h15m21s
